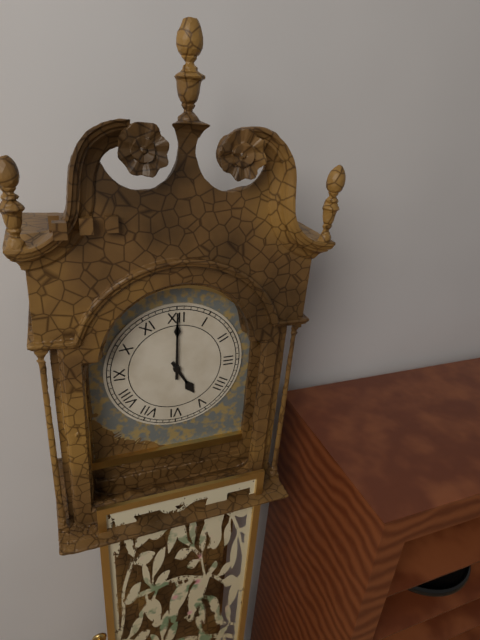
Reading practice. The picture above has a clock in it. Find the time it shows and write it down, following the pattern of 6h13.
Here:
5h00
